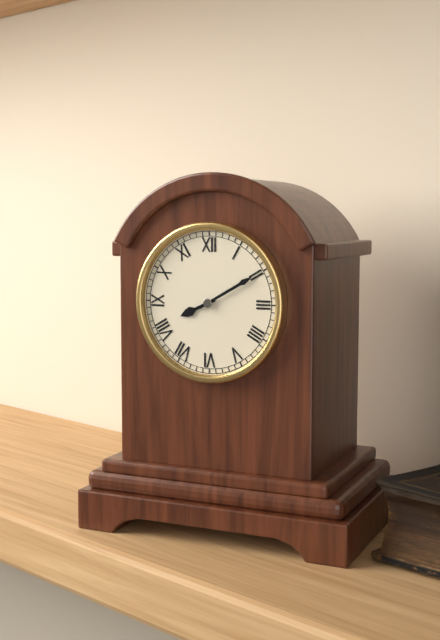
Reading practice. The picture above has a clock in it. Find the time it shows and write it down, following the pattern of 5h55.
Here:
8h10
